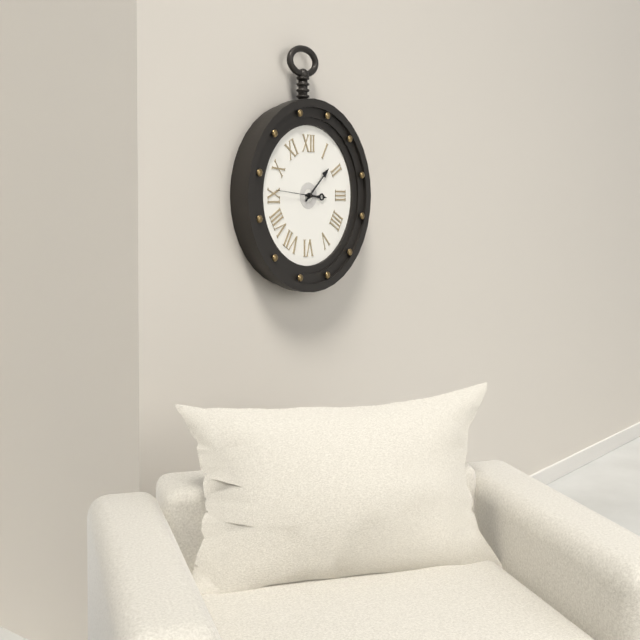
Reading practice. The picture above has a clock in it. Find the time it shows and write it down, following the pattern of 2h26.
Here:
3h08
